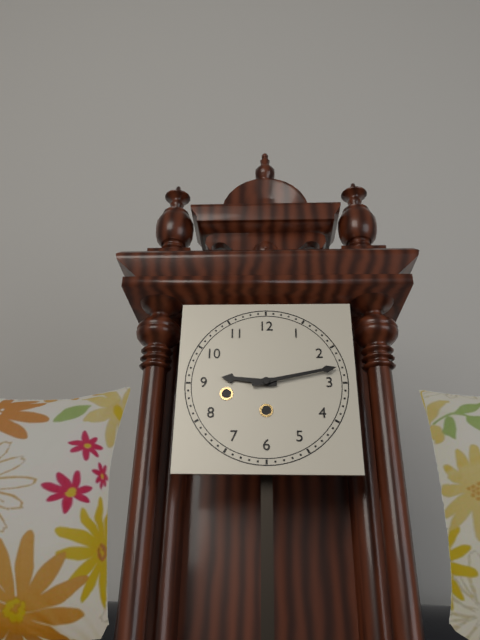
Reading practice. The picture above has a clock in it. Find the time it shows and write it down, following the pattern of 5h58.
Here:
9h13
